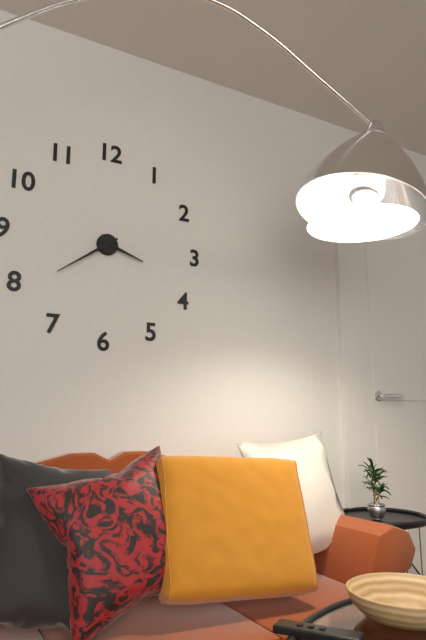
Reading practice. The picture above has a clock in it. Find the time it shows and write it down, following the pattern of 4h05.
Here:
3h39
